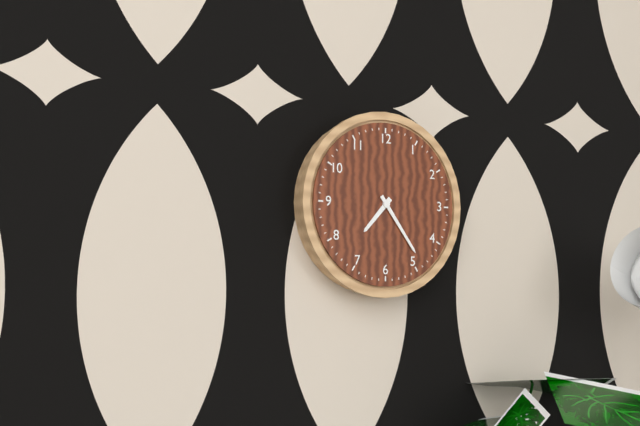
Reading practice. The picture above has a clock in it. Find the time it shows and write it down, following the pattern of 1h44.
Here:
7h24
